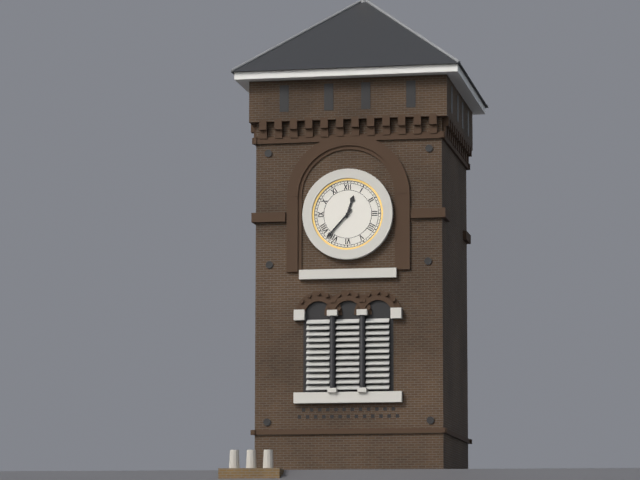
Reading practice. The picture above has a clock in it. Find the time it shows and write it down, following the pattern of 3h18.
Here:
12h37
